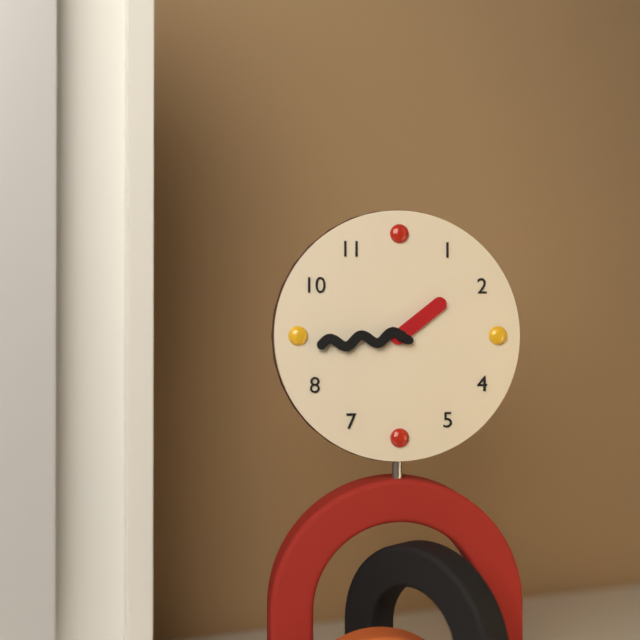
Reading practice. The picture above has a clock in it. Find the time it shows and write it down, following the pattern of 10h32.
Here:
1h44
